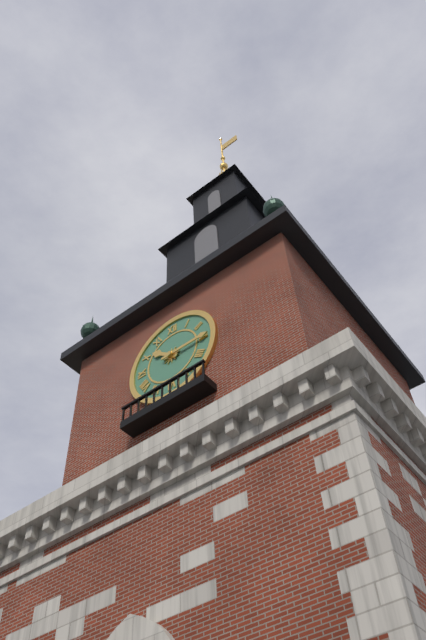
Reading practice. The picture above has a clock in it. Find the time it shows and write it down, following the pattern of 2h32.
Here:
10h15
